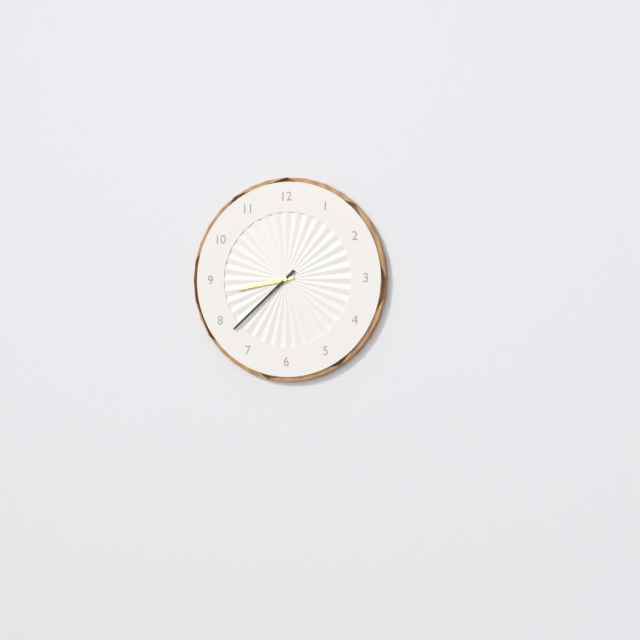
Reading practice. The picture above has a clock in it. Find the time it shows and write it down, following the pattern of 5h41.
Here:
8h38
